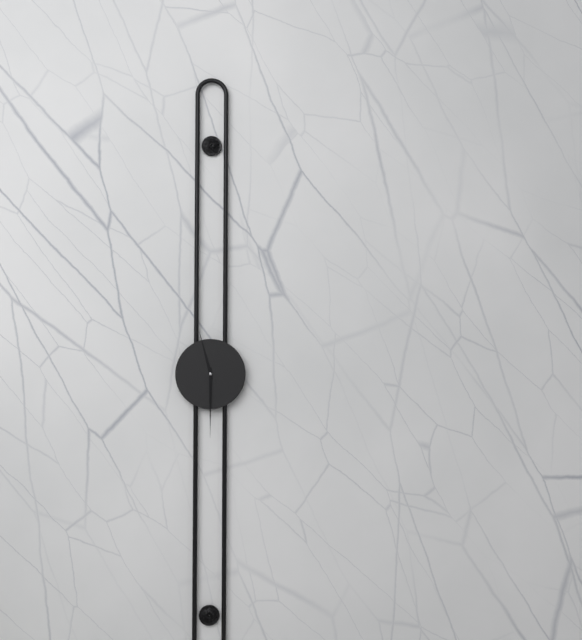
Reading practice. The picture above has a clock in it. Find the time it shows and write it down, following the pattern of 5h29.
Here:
11h30
